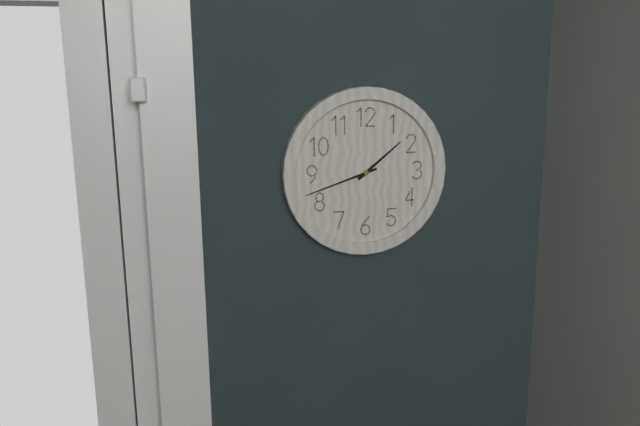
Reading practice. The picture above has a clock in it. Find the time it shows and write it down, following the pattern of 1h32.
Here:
1h42
